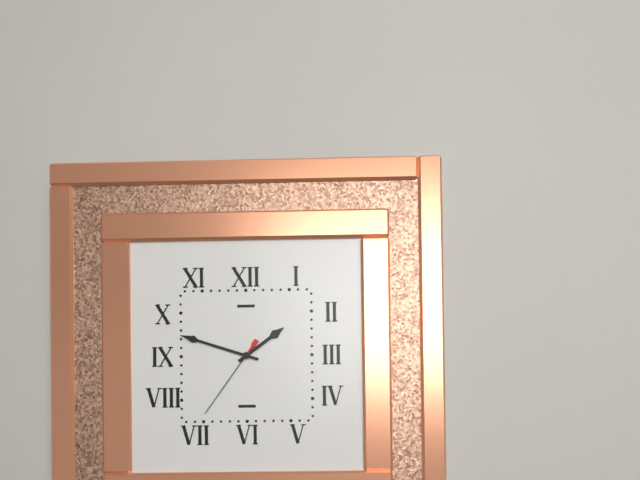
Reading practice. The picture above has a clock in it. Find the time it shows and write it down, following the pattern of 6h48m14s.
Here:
1h48m36s
